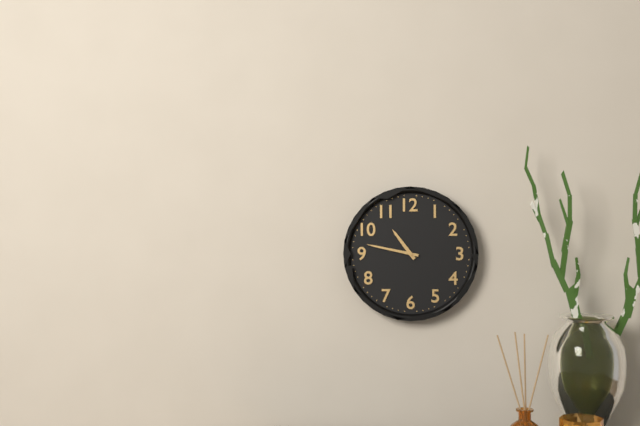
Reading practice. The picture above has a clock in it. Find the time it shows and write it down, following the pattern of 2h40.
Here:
10h47
